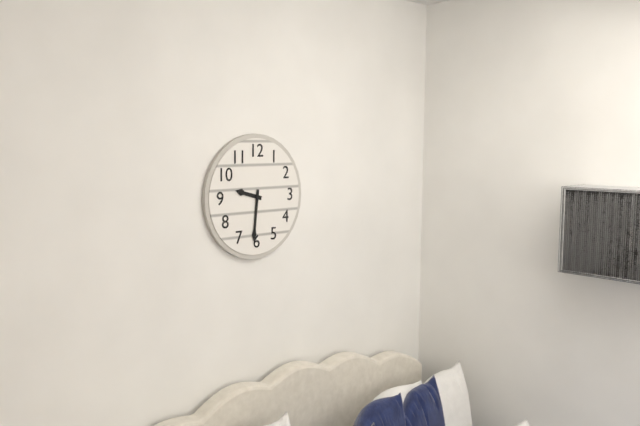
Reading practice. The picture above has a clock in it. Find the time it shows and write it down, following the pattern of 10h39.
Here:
9h31
